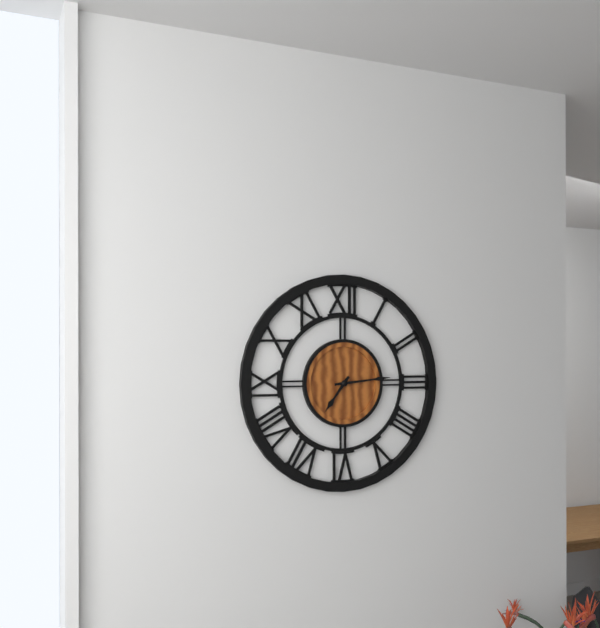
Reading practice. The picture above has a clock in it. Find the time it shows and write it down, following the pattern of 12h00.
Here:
7h14
